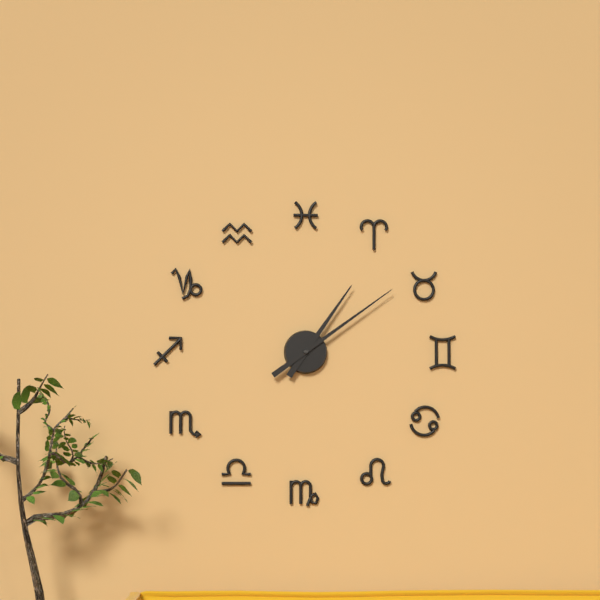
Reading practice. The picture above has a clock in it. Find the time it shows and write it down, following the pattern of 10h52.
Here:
1h09
